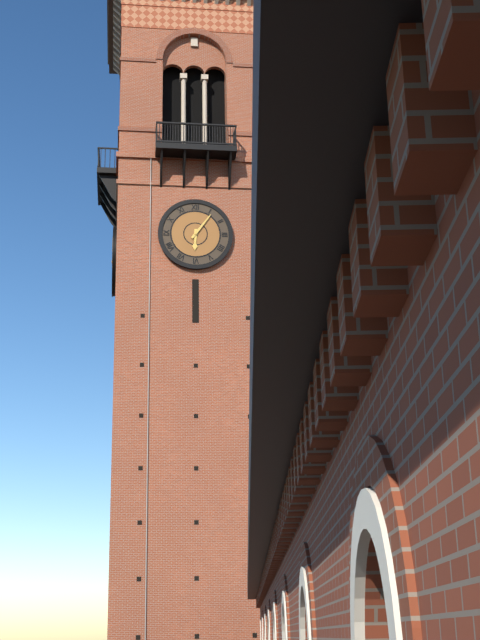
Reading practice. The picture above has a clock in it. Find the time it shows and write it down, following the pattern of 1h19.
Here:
6h06
